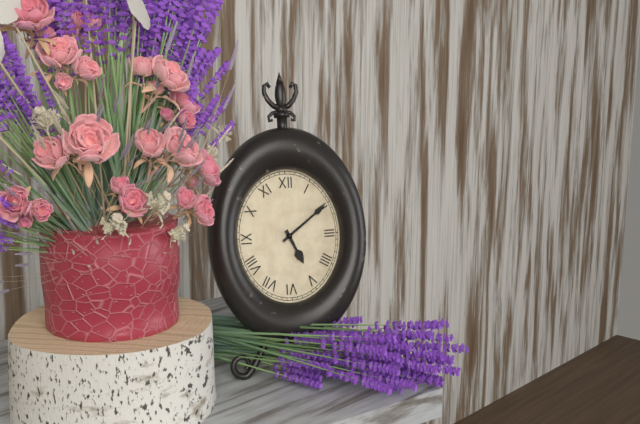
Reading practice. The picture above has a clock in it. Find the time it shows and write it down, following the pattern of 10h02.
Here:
5h09
